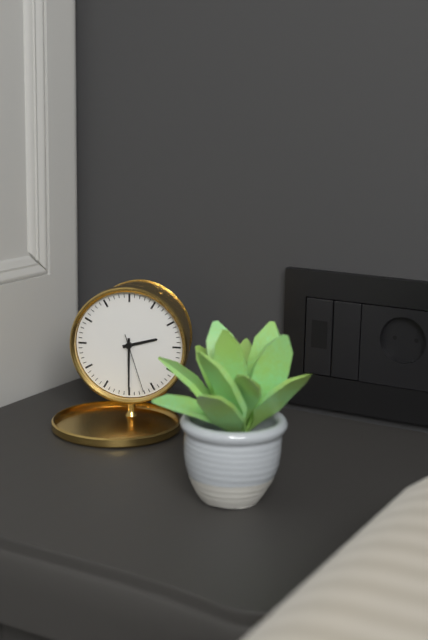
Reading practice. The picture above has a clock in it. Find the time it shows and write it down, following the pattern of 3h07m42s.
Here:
2h30m27s
